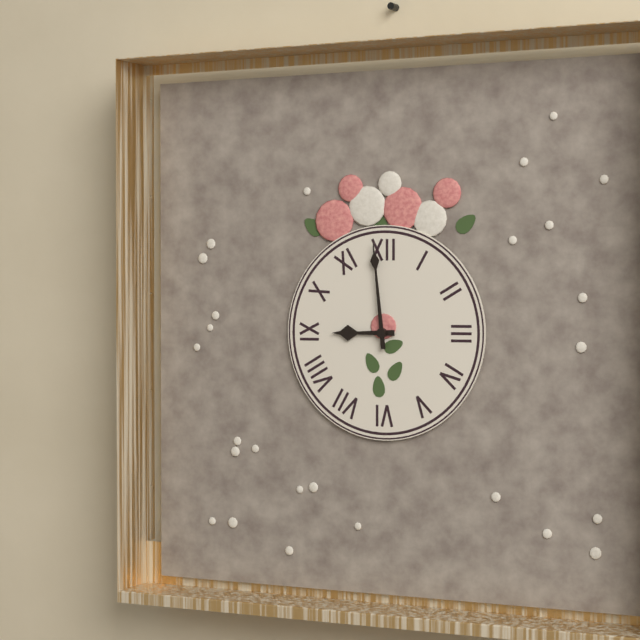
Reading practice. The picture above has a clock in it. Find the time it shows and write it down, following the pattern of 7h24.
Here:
8h59
